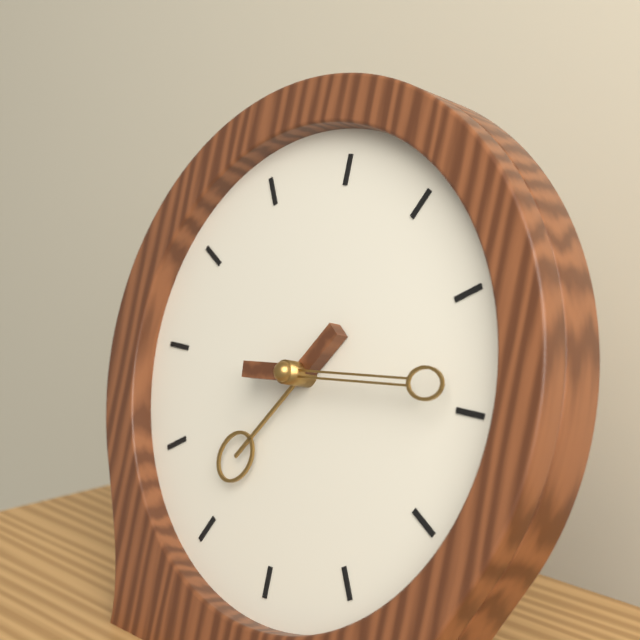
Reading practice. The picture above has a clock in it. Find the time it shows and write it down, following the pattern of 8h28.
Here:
7h14
